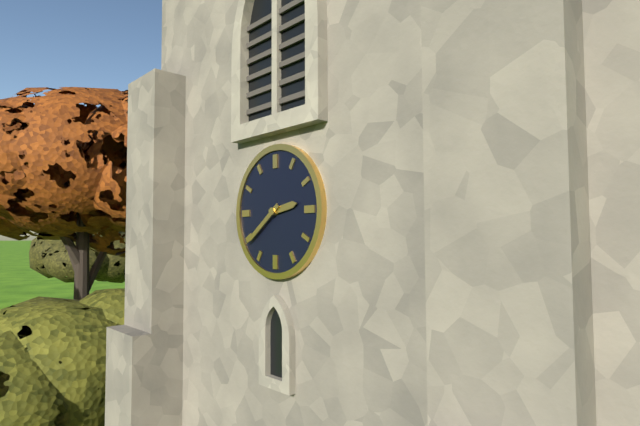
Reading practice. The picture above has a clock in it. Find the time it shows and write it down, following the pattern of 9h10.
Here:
2h39
